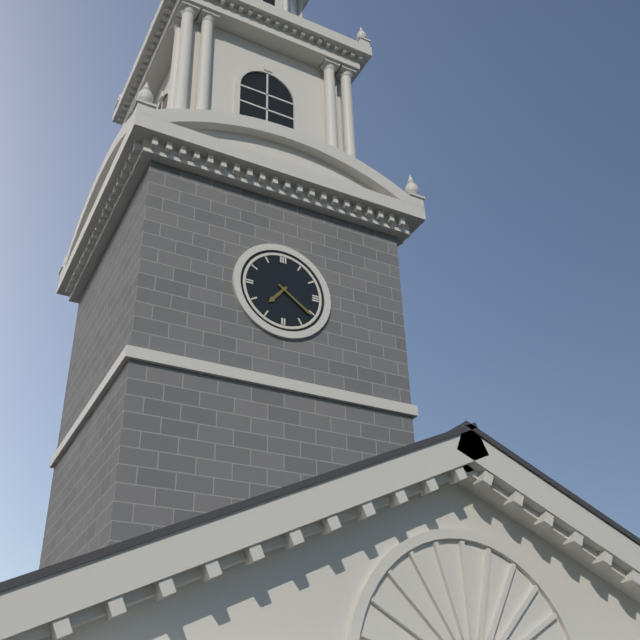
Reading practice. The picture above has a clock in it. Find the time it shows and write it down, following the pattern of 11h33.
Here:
7h21
